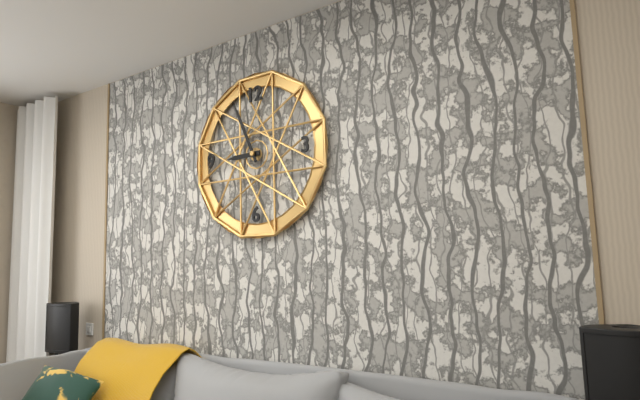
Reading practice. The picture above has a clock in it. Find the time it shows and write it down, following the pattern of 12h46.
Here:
8h56
